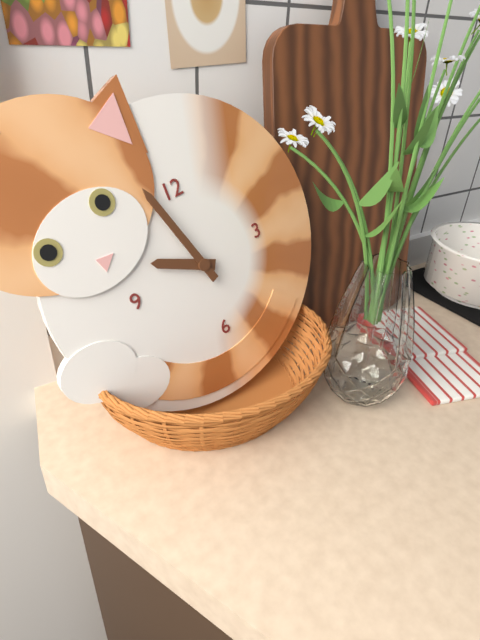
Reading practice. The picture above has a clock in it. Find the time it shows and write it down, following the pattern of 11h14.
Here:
9h57
